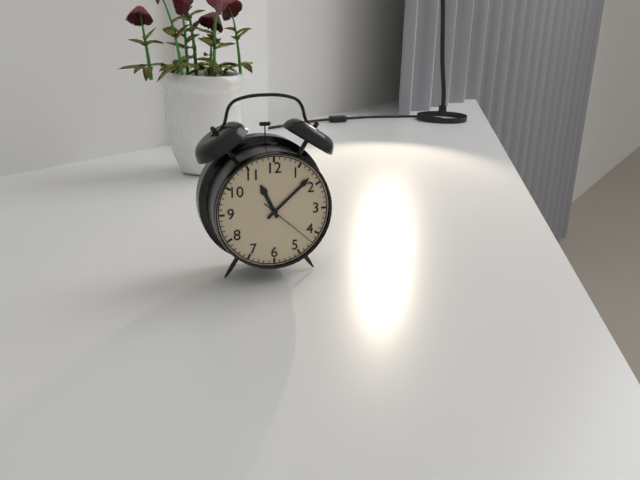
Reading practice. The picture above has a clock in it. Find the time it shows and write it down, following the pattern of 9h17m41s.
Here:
11h08m22s
